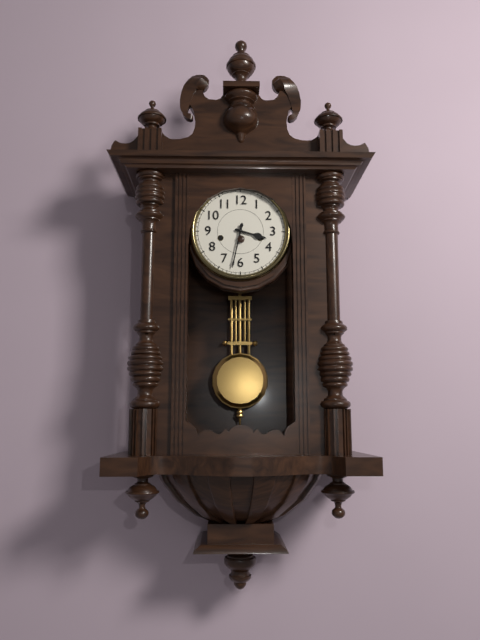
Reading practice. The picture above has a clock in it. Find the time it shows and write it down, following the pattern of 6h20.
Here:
3h32
